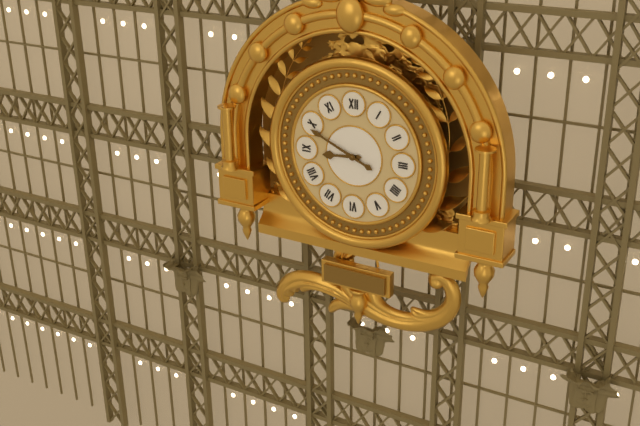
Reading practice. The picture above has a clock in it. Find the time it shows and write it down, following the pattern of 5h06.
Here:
8h49
